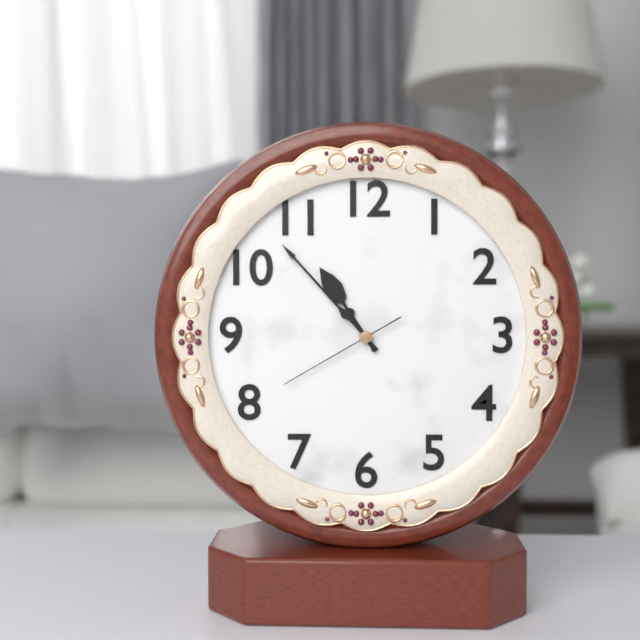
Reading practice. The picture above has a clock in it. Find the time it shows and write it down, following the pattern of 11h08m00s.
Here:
10h53m40s
